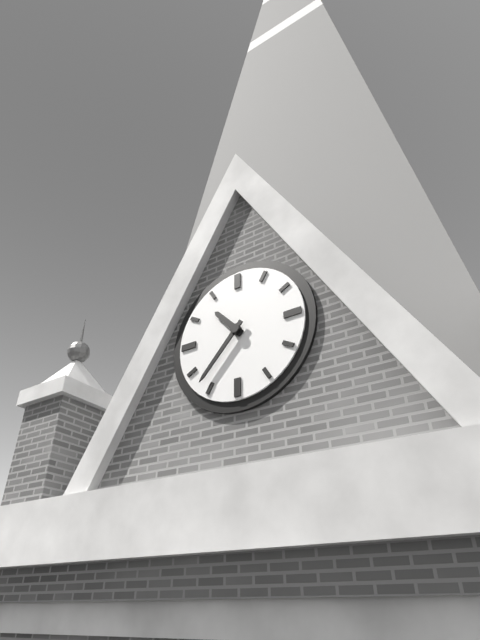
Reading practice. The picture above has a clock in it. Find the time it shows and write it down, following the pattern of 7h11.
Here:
10h37
